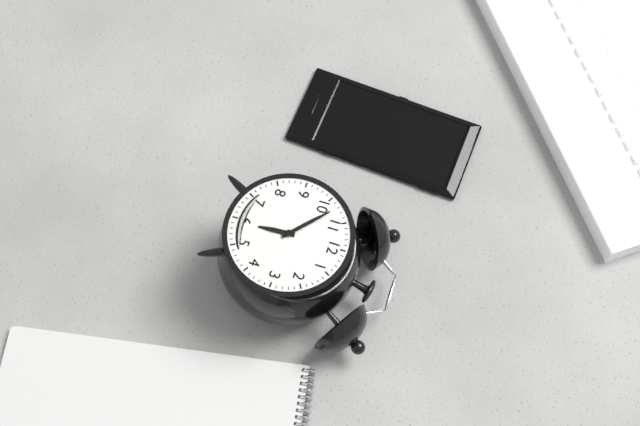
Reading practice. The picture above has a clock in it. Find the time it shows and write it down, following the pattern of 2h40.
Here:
5h52
